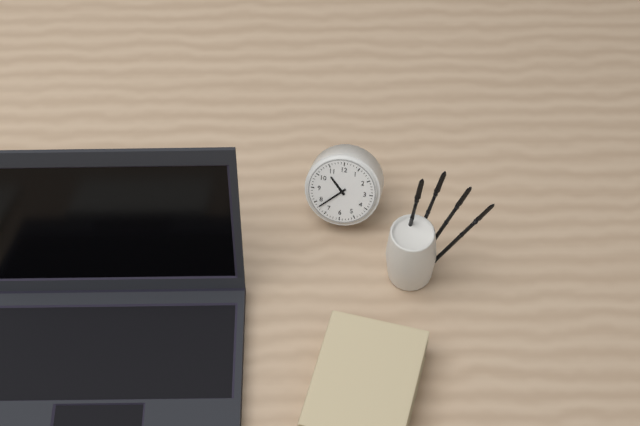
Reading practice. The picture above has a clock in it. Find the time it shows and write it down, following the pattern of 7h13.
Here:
10h38
